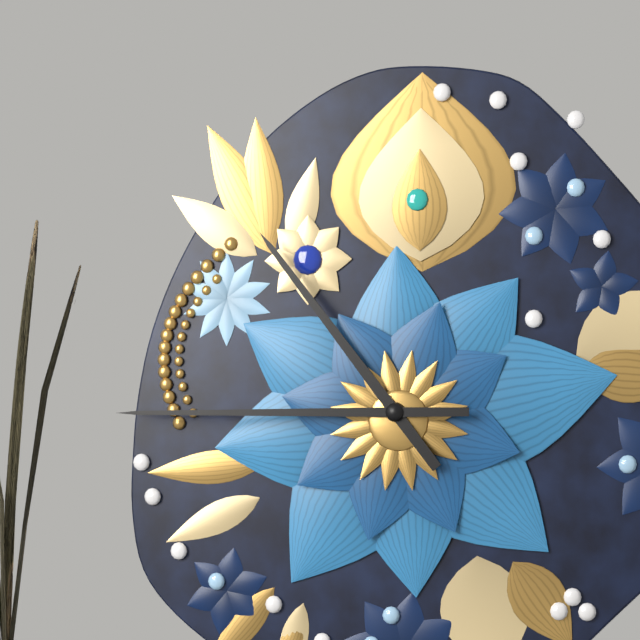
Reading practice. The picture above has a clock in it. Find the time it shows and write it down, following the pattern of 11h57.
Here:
10h45
